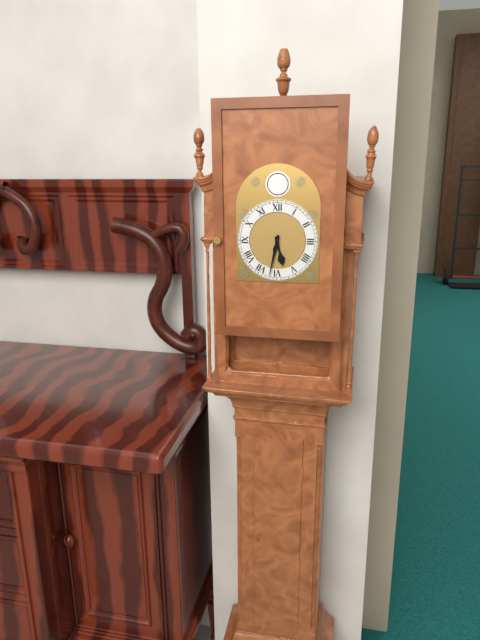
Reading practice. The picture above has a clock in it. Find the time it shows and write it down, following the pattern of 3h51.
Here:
5h32
